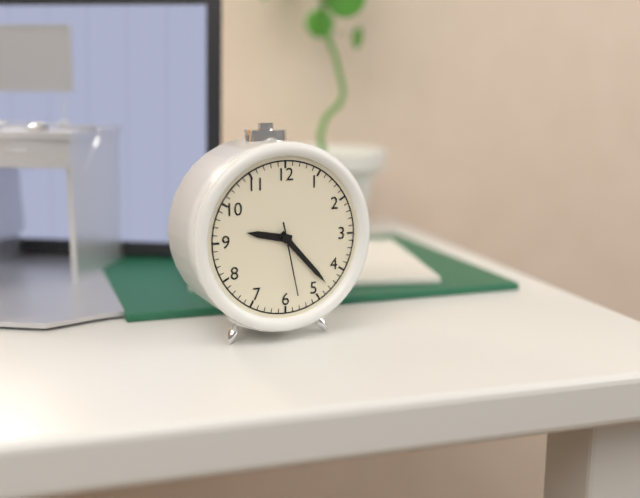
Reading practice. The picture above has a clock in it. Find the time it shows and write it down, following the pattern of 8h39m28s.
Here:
9h23m28s
